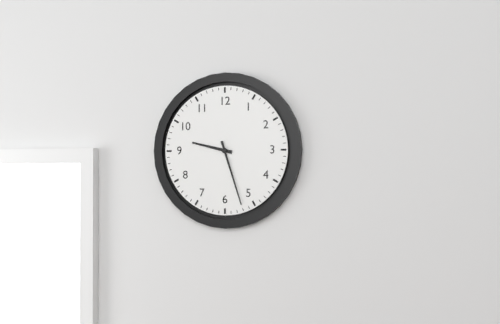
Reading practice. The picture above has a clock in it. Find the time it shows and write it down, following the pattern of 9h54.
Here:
9h27
